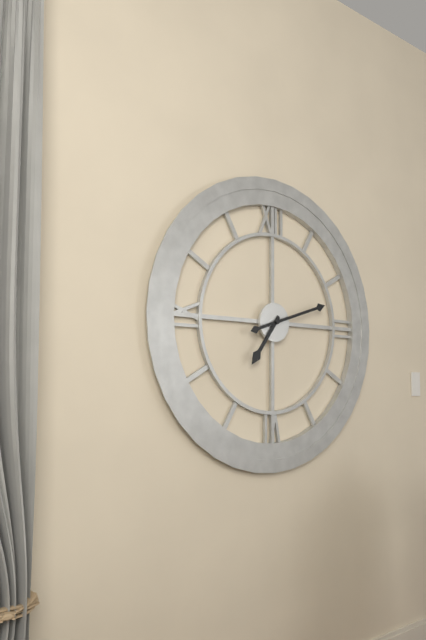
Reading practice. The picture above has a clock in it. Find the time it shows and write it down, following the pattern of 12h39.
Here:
7h12
